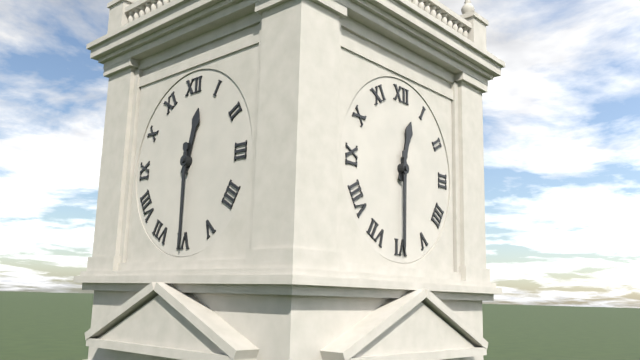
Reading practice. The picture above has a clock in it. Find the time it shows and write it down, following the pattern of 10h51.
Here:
12h30
